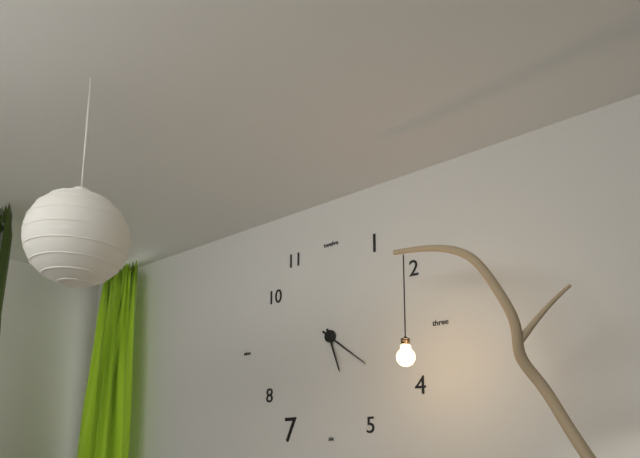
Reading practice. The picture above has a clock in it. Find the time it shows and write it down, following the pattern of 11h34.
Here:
5h21
